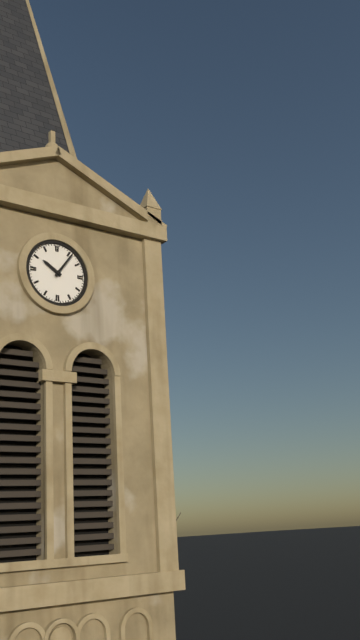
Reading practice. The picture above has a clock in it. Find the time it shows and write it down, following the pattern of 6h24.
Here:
10h06
